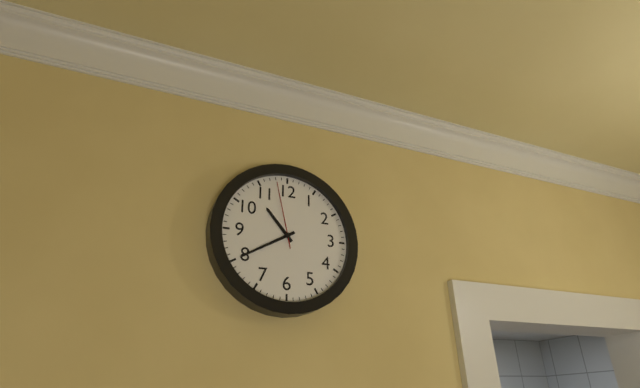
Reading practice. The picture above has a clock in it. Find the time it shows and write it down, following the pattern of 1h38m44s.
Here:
10h40m58s
